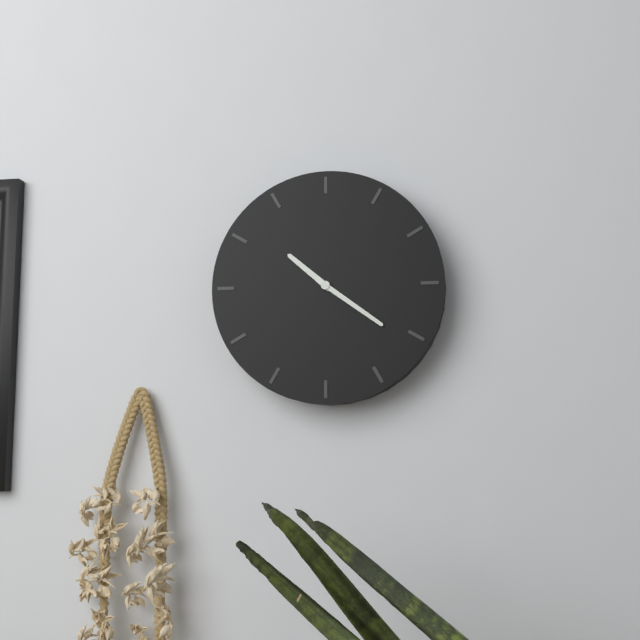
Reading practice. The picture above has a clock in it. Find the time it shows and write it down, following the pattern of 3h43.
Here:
10h21
